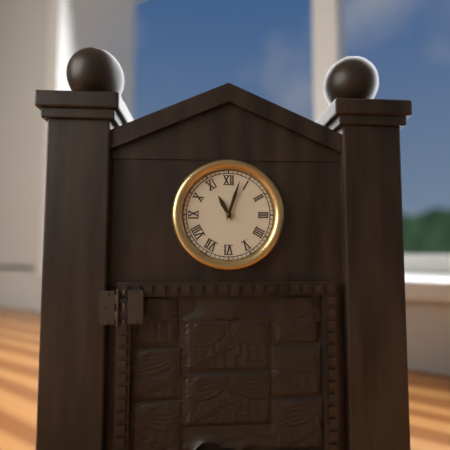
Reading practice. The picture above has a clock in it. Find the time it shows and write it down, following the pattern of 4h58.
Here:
11h03
